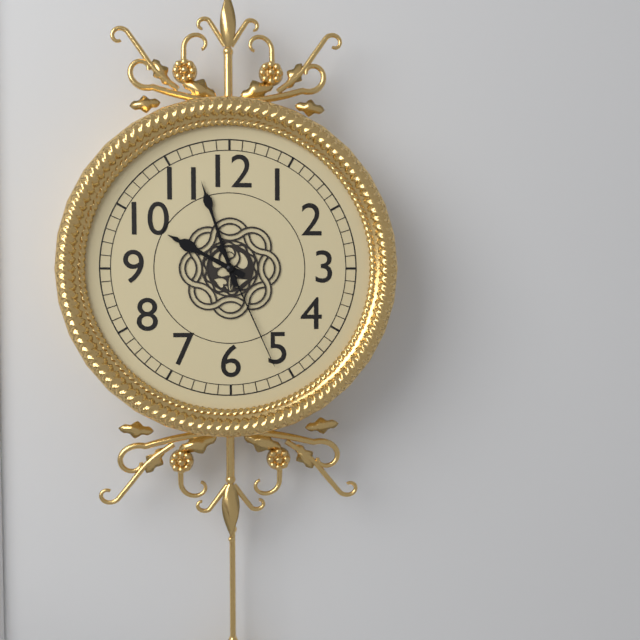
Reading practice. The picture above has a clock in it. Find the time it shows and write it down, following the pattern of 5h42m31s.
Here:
9h57m26s
